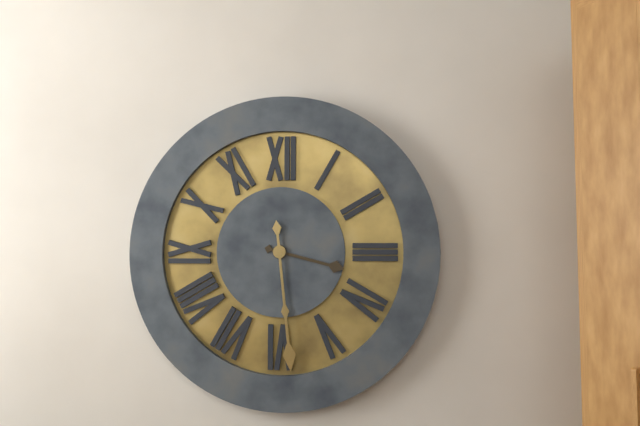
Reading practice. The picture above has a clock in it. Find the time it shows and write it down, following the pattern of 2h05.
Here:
3h29
